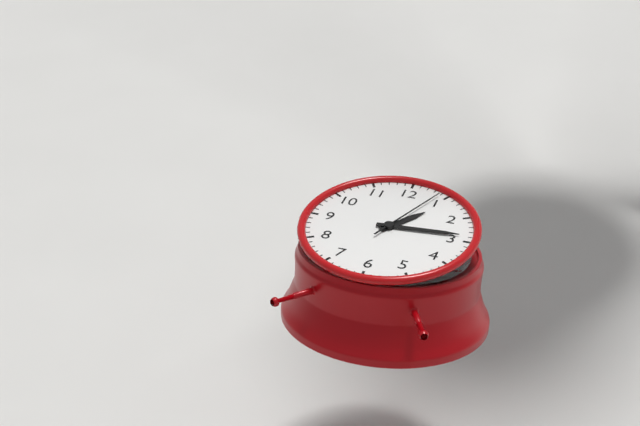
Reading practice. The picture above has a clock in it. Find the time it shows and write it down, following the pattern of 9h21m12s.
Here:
1h14m04s
